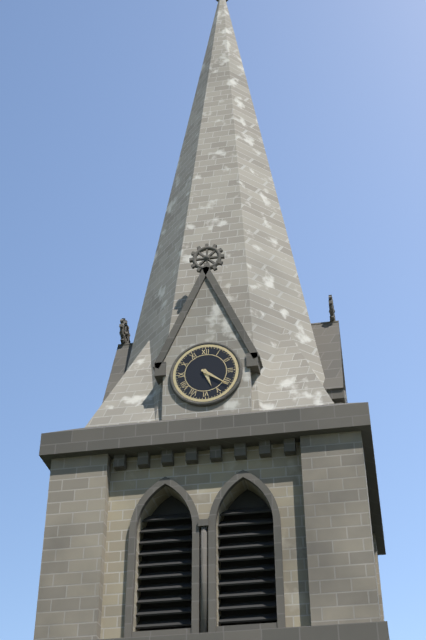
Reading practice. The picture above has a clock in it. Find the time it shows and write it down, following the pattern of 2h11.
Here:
5h21
